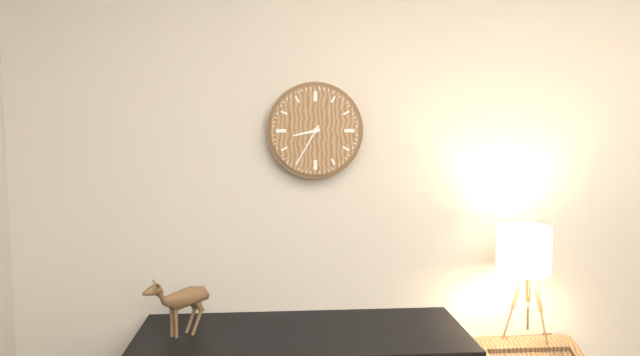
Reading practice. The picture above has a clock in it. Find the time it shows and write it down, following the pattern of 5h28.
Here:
8h35
